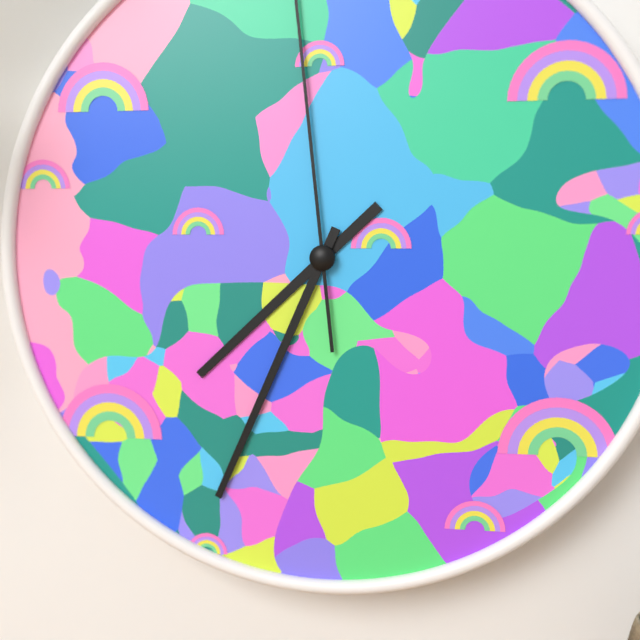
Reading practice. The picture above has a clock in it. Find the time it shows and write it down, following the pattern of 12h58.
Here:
7h34
